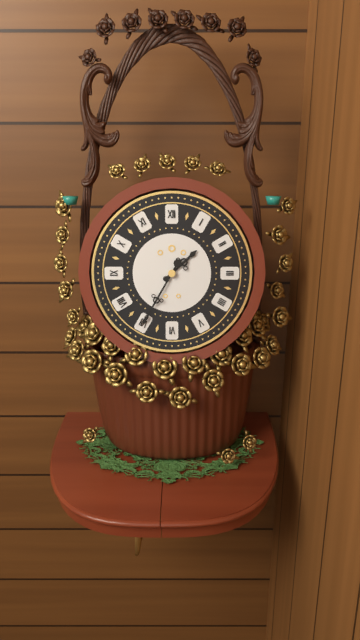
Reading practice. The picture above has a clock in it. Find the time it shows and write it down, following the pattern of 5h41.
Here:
1h35
